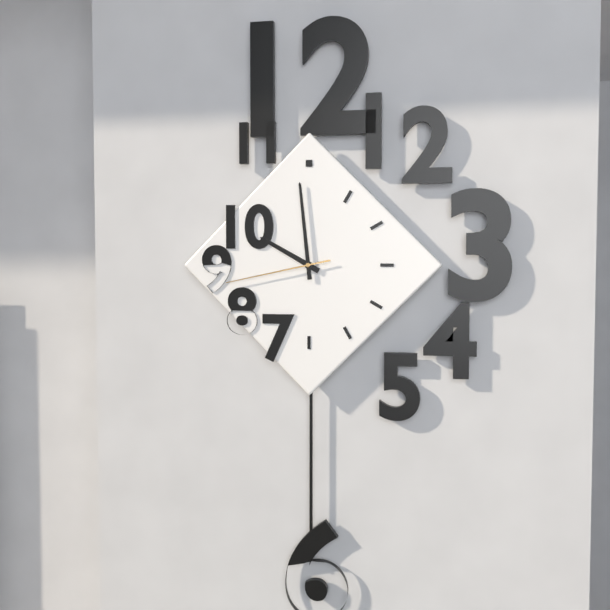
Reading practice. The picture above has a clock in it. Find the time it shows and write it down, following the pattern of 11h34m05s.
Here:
9h59m43s
